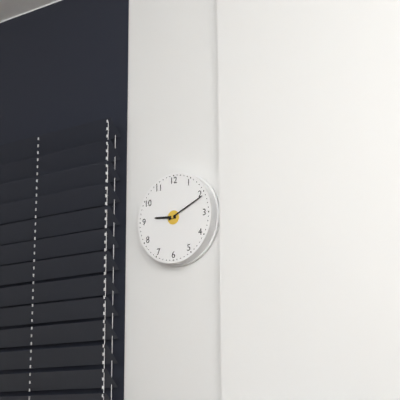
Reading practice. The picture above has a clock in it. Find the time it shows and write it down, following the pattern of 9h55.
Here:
9h11
